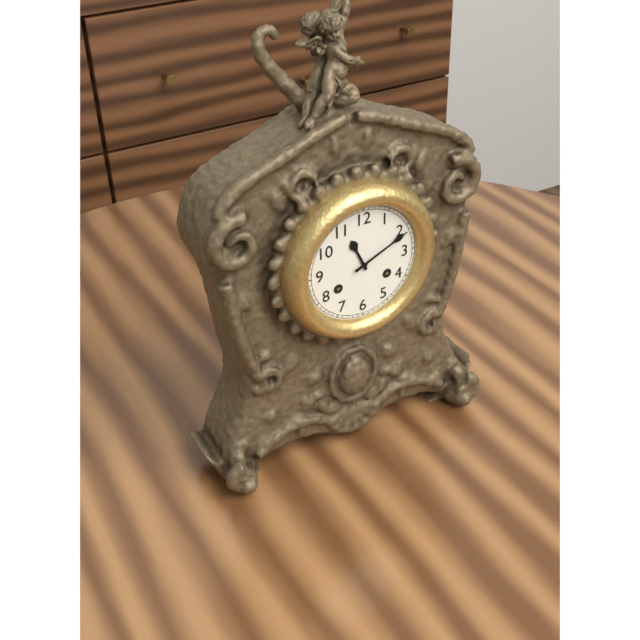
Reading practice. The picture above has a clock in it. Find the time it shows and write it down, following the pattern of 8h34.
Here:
11h11
